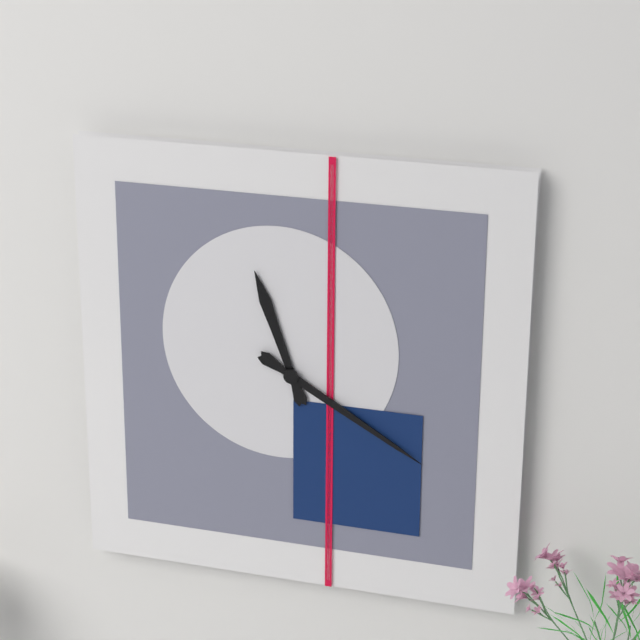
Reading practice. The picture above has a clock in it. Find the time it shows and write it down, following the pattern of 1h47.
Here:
11h20
